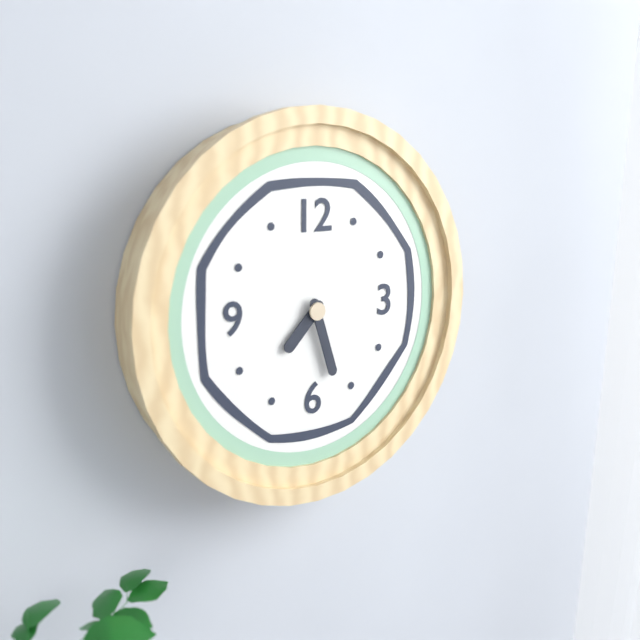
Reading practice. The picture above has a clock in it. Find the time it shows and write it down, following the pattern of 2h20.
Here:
7h27
